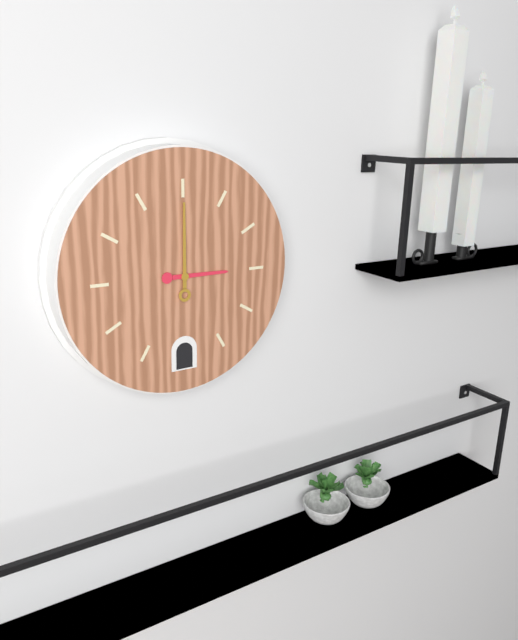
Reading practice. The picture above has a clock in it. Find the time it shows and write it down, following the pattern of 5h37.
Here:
3h00
